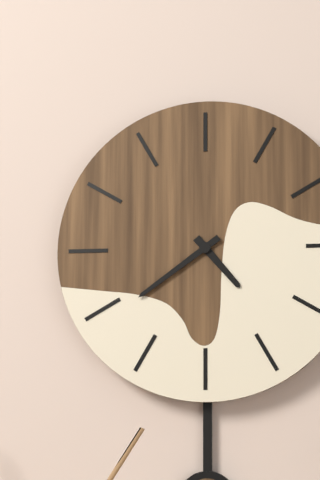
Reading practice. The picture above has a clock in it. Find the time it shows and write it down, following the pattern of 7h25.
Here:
4h39
